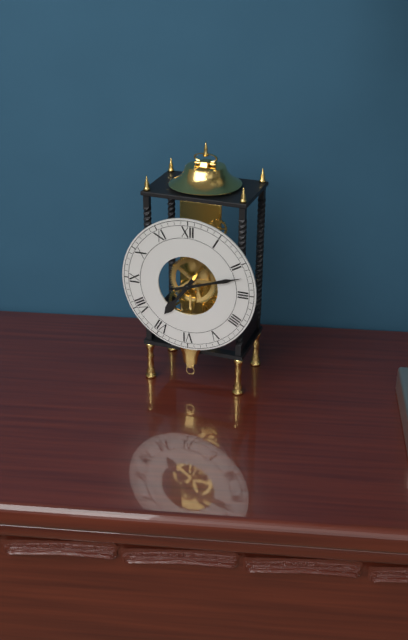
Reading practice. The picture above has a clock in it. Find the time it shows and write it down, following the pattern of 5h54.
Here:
7h12
